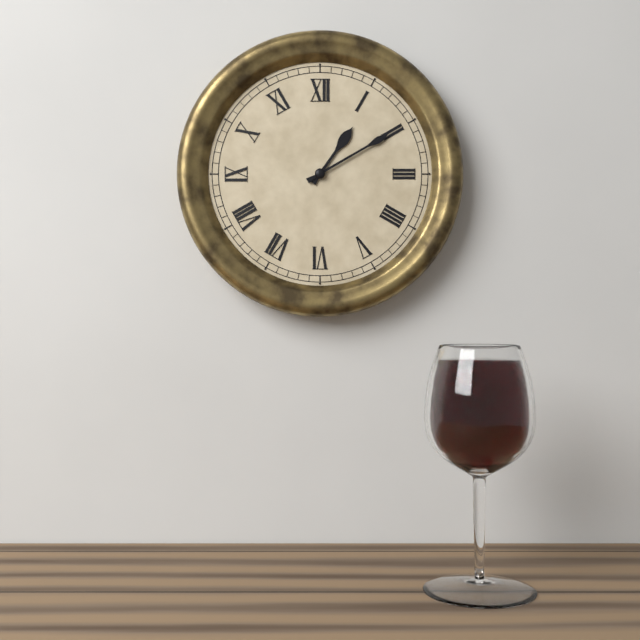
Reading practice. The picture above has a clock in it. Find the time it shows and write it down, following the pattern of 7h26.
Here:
1h10
